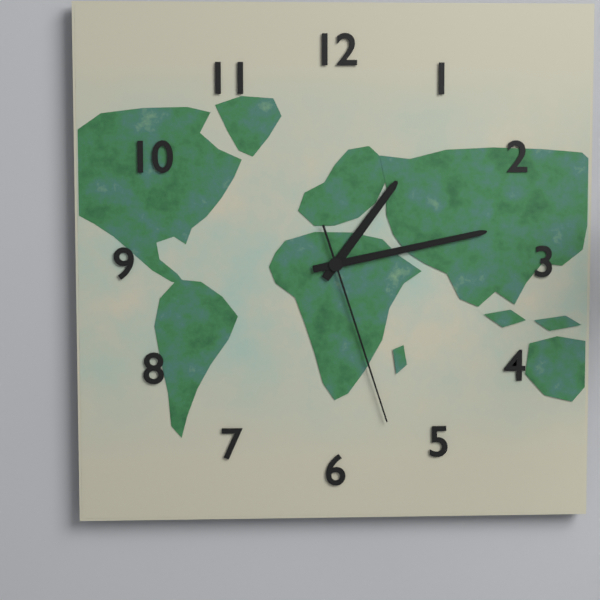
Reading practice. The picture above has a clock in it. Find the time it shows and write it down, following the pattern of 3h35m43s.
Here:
1h13m27s
